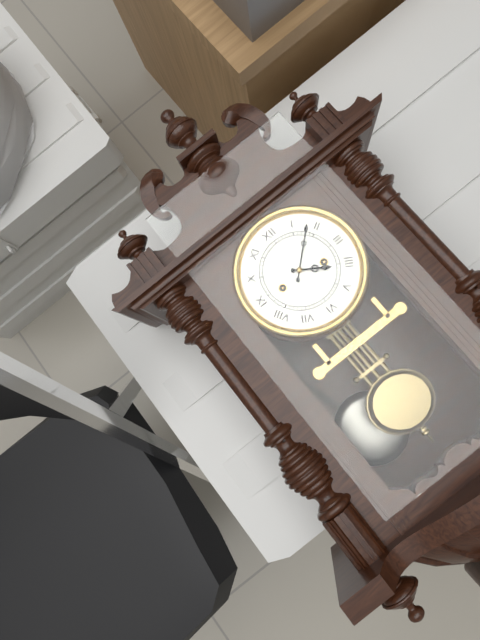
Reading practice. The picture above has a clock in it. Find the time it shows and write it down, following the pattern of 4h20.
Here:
4h08
